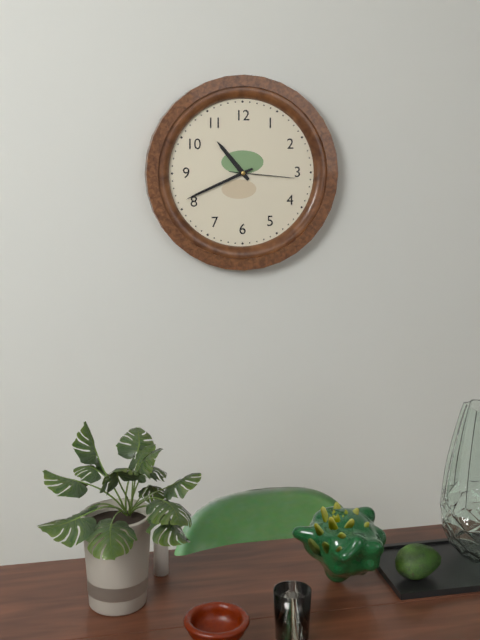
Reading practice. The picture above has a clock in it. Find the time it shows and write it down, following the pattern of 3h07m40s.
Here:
10h41m16s
